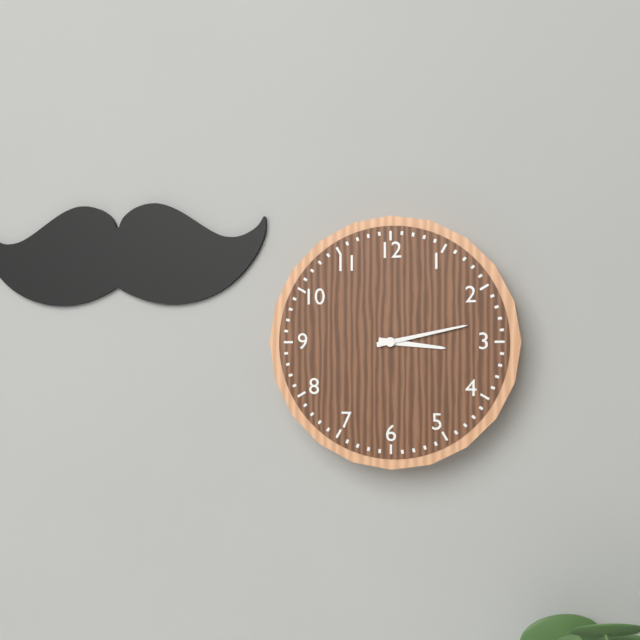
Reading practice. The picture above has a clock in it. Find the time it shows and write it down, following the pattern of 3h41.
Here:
3h13
